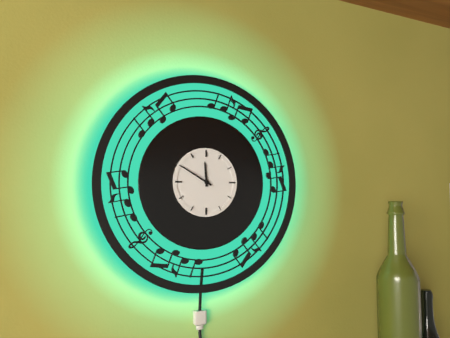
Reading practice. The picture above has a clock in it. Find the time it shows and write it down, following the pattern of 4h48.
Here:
11h50
